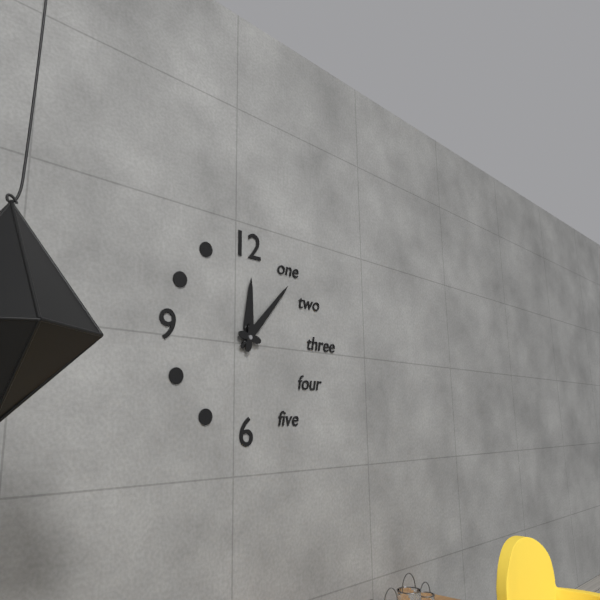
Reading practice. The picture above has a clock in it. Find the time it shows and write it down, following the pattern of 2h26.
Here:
12h07
